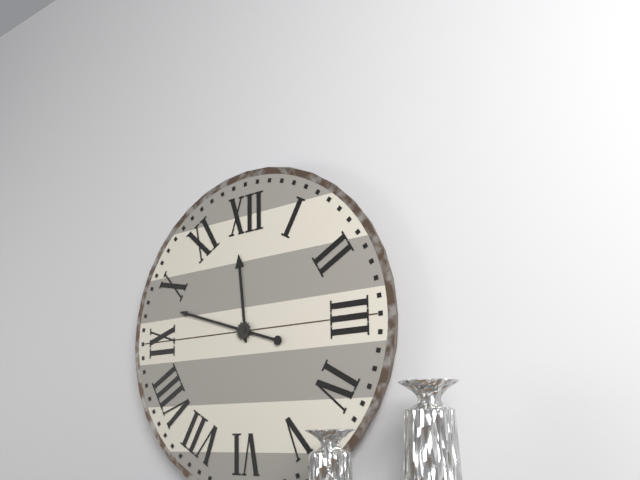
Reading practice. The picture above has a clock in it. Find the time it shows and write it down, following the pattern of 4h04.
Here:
11h48
